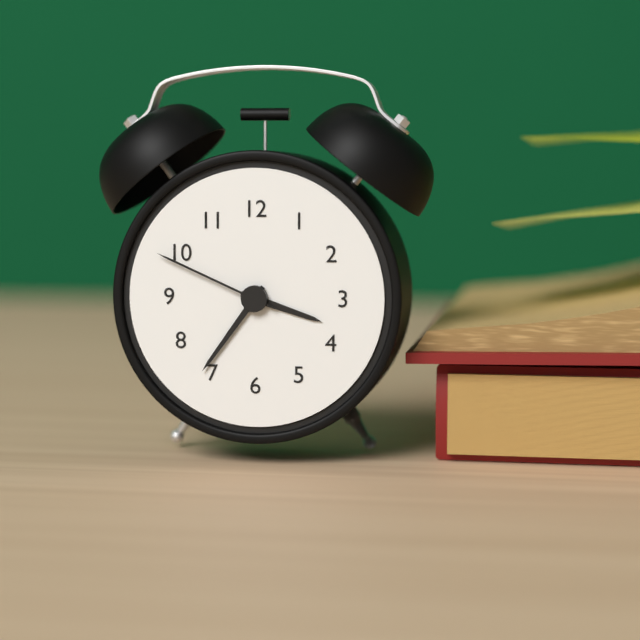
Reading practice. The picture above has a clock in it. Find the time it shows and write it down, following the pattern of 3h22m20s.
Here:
3h36m49s
